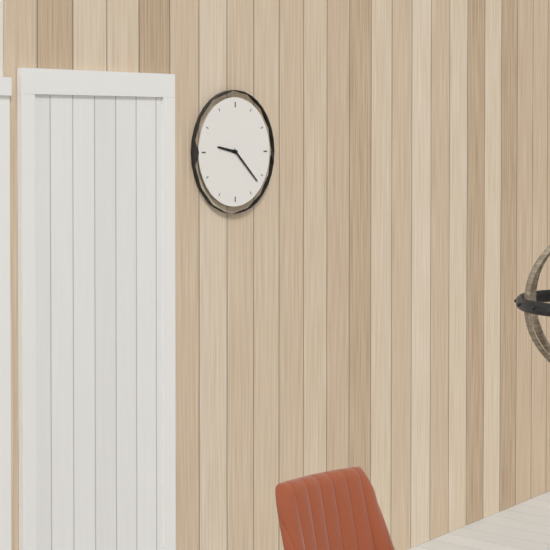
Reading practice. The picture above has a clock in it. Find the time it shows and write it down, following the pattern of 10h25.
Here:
9h22
